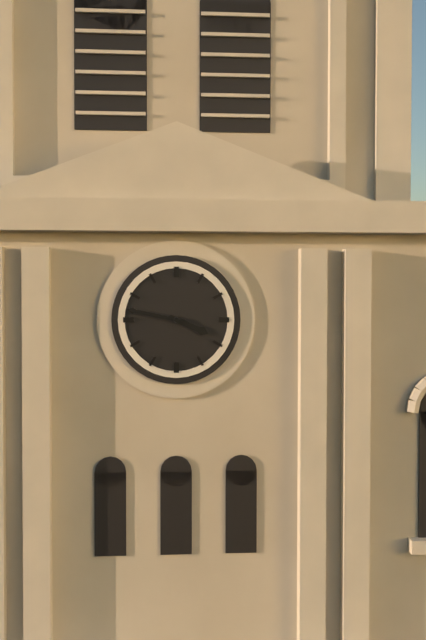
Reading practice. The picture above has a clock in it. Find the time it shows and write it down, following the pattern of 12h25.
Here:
3h47
